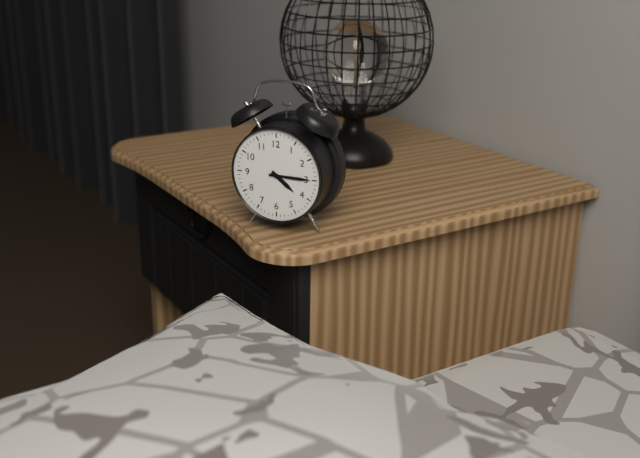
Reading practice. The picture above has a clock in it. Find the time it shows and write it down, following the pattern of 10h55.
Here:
4h15
